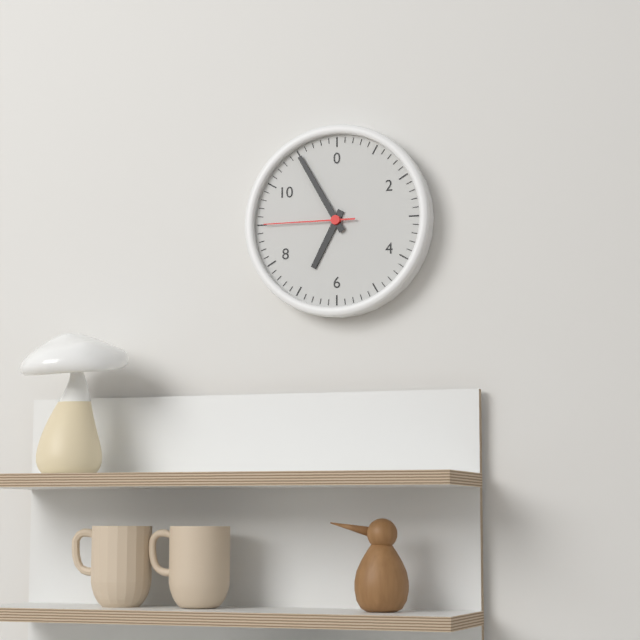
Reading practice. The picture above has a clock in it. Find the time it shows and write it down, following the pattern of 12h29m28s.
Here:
6h55m45s
